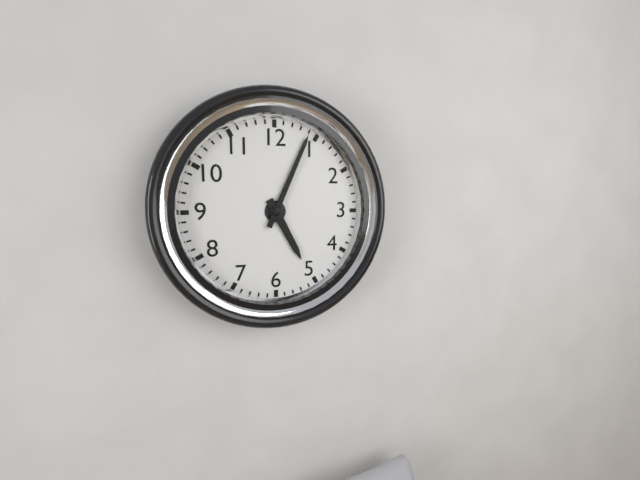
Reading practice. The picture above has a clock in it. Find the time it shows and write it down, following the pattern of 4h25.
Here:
5h04
